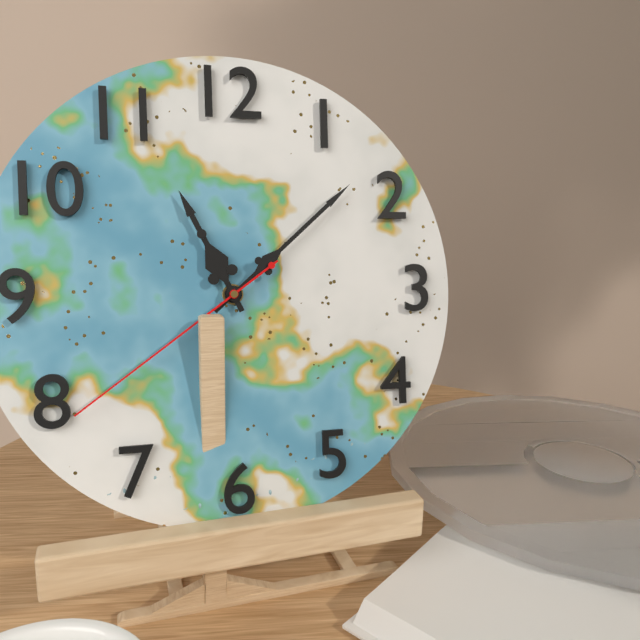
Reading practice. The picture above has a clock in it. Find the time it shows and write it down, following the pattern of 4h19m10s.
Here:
11h08m39s
